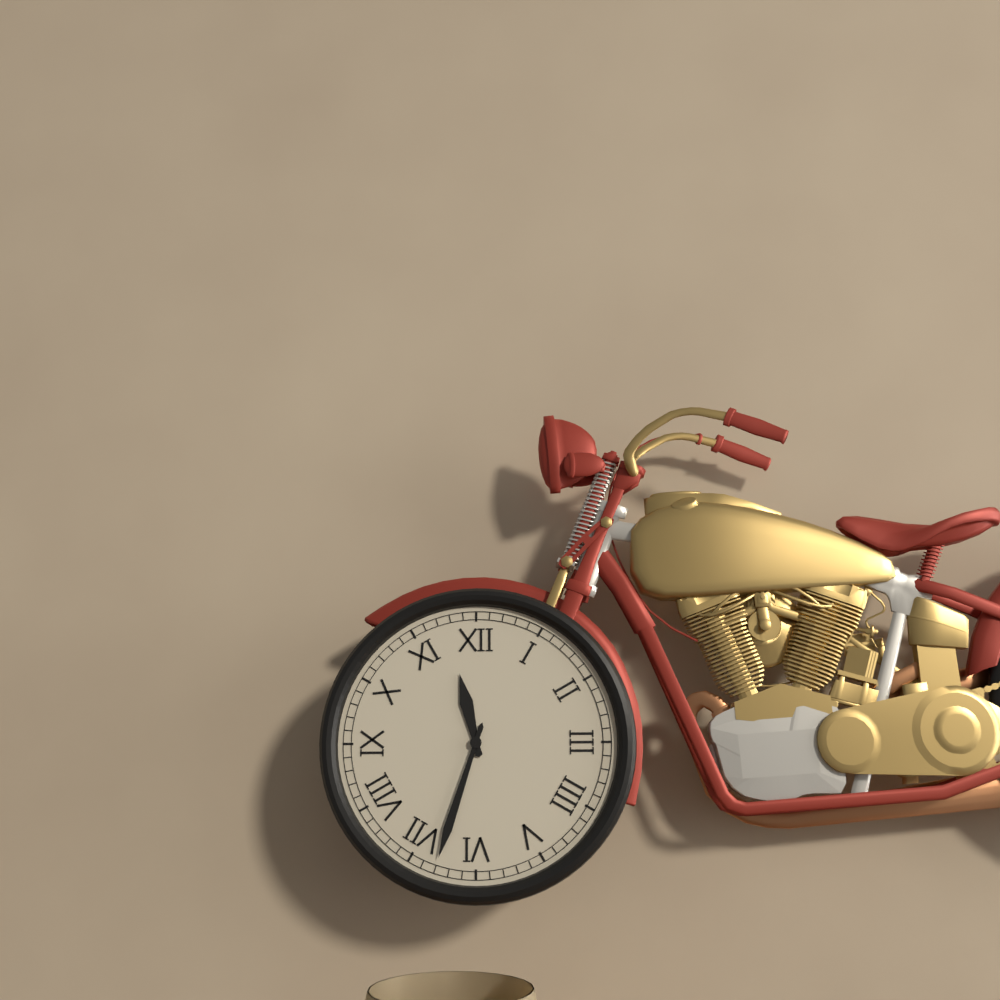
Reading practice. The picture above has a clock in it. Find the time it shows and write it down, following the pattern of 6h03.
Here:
11h33
